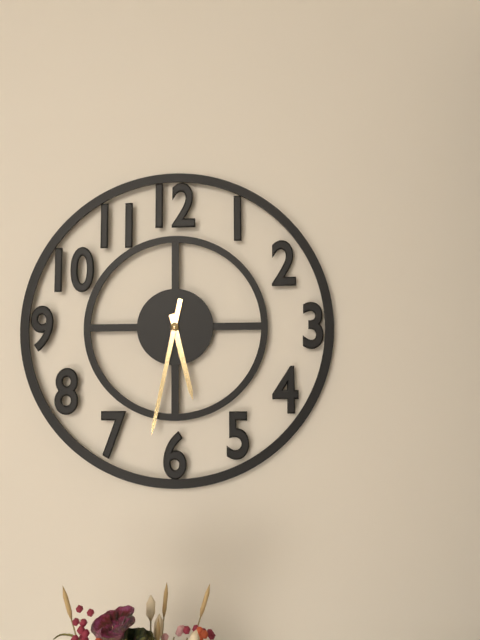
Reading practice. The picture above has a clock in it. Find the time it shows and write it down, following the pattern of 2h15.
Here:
5h32
